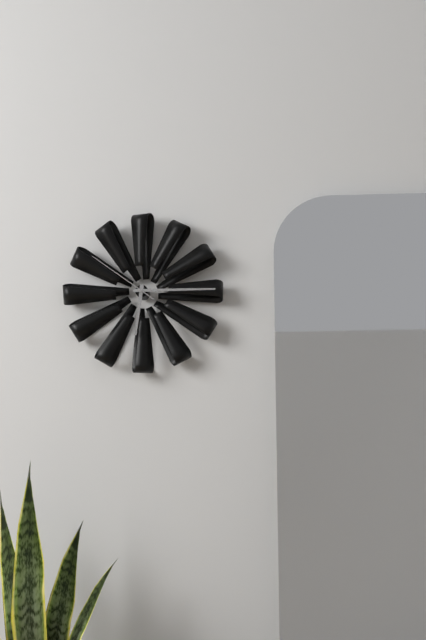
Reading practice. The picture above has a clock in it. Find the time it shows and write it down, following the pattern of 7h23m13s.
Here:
6h15m51s
